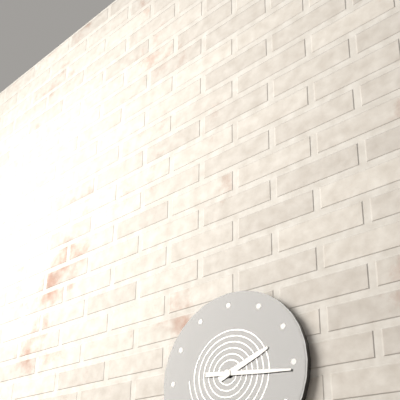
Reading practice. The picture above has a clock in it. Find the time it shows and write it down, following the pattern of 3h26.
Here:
2h16
